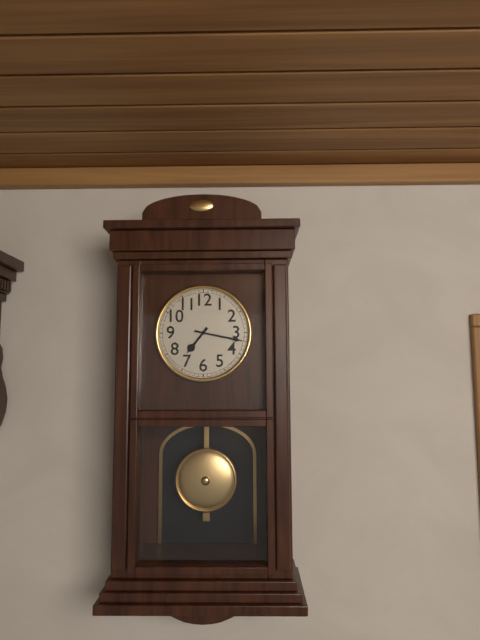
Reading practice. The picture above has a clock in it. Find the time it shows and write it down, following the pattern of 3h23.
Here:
7h17
